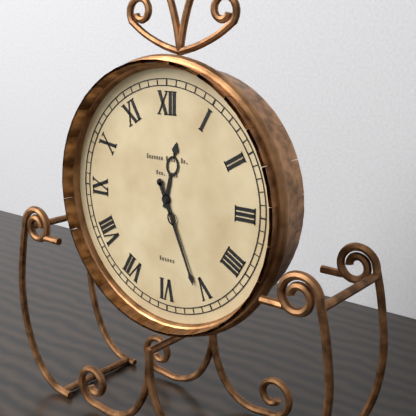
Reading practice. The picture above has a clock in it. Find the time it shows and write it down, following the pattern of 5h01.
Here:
12h26
